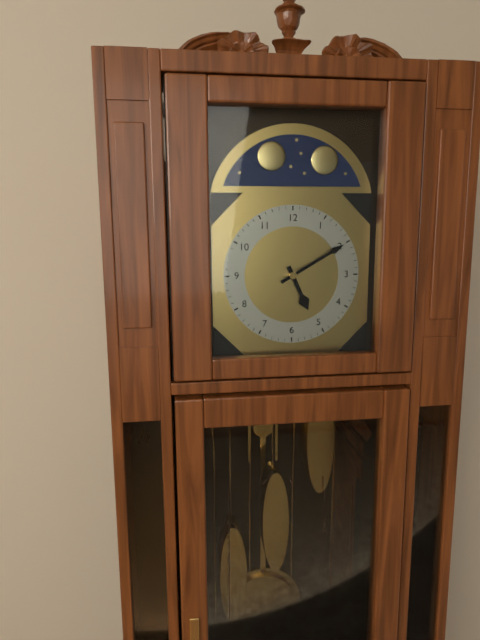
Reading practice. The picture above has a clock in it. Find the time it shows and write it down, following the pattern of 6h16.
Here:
5h10
